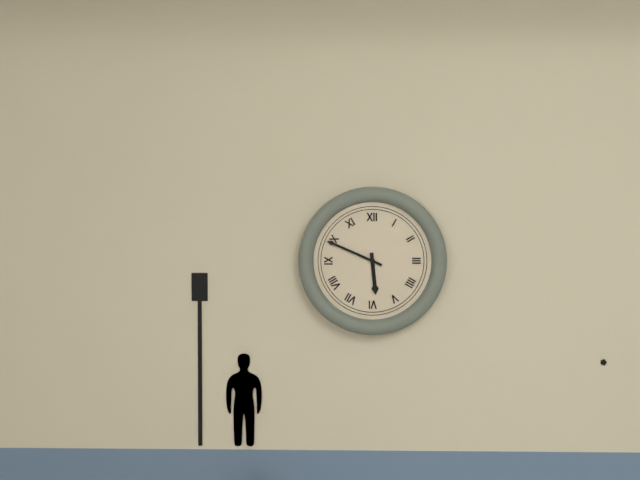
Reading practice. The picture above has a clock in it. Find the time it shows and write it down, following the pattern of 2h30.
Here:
5h49
